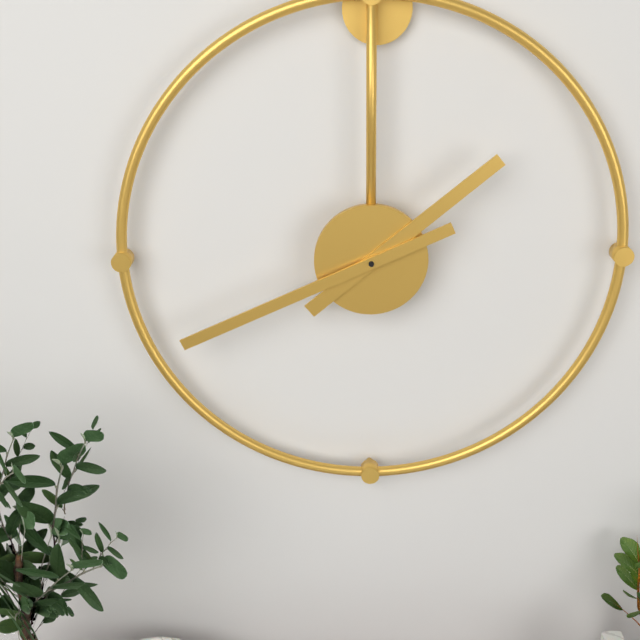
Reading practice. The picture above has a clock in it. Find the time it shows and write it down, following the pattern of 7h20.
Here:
1h41
